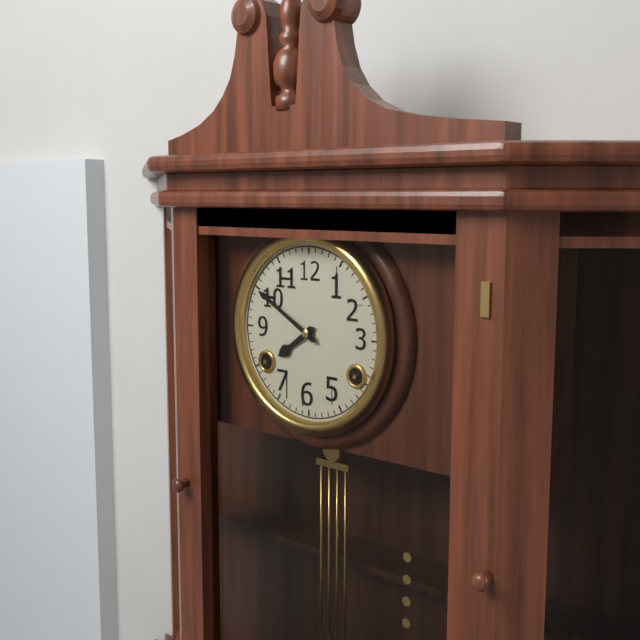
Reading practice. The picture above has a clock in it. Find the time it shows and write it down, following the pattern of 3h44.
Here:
7h50
